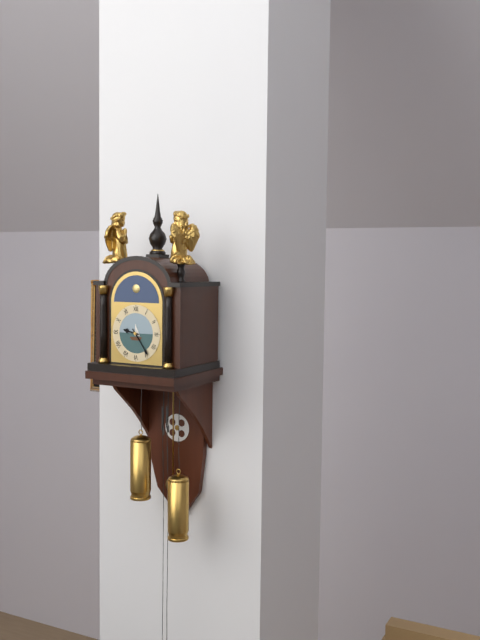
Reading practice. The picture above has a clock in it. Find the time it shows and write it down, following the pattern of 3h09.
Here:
9h24
